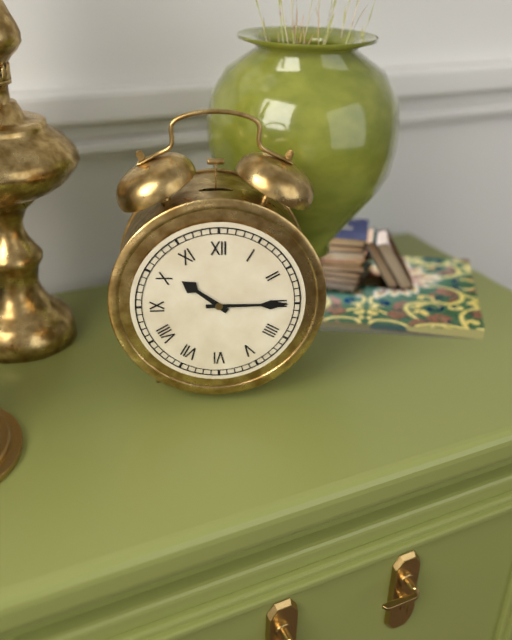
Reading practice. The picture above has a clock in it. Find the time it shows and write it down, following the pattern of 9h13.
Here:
10h15
